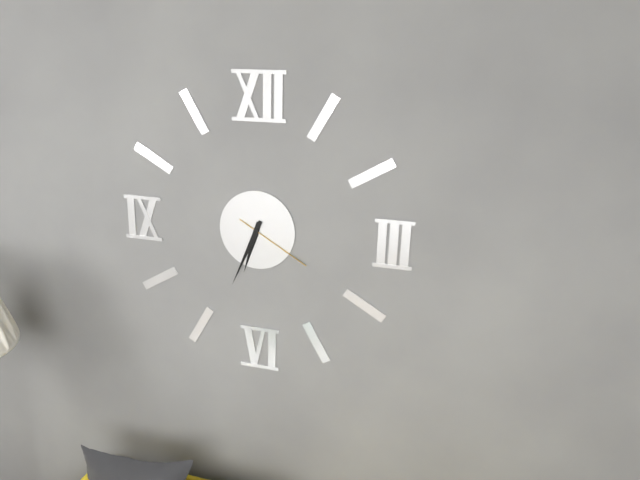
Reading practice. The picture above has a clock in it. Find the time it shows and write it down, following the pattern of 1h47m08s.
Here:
6h34m20s
